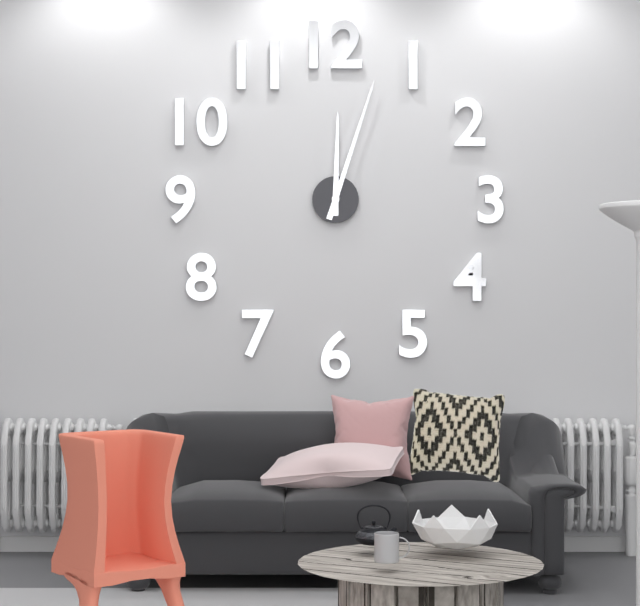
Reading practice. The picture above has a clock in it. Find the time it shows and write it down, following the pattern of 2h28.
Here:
12h03
